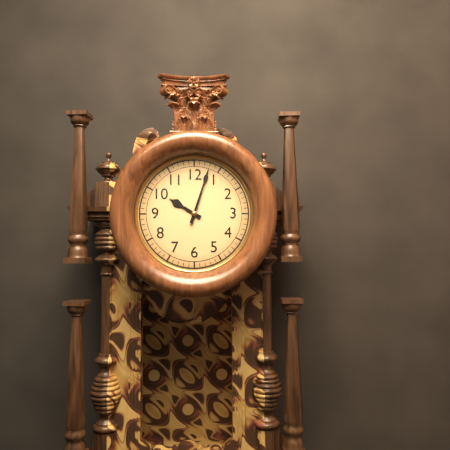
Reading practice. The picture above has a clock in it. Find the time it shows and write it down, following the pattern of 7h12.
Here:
10h03
